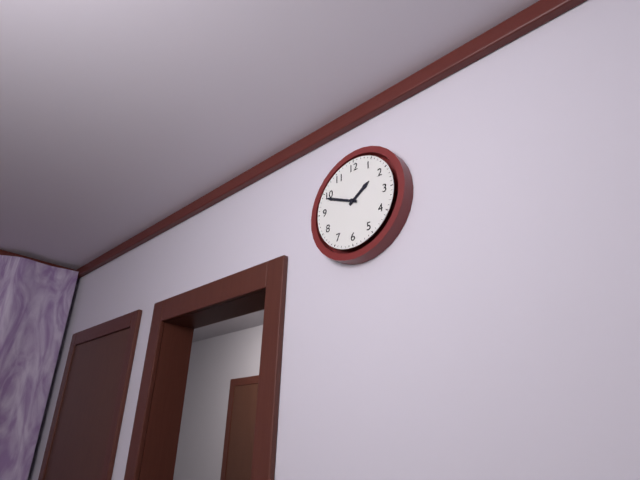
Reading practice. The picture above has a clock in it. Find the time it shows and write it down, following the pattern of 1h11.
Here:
1h49
